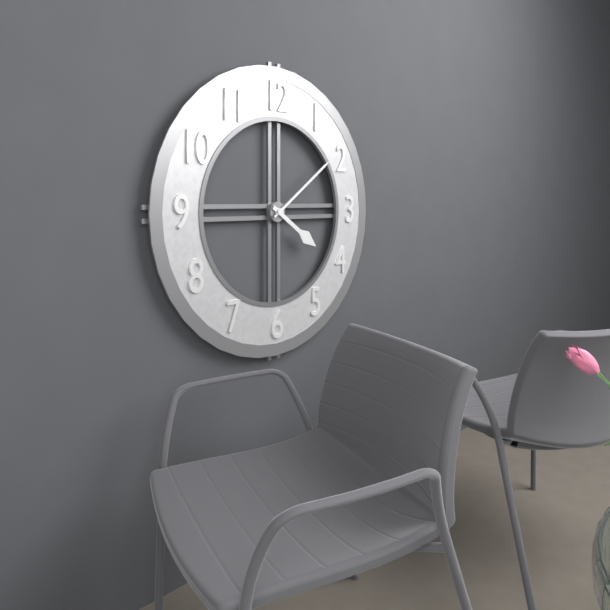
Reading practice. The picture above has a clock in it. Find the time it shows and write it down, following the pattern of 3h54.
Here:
4h09
